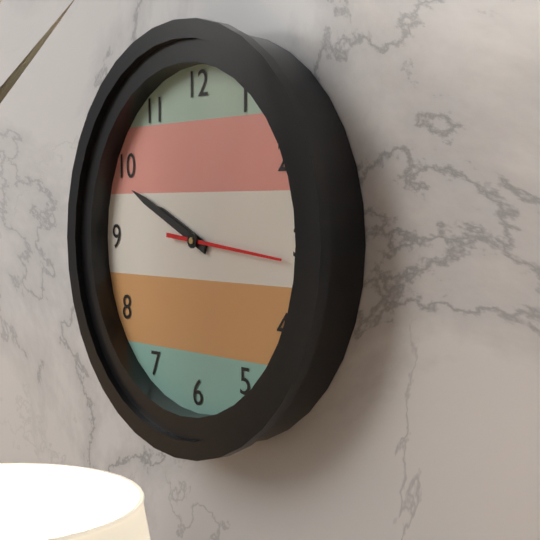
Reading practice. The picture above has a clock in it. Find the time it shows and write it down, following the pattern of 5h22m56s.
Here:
9h49m16s
